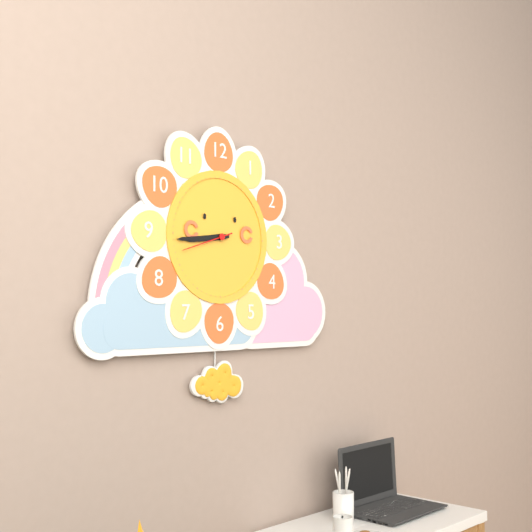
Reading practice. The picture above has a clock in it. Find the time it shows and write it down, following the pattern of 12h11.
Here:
8h44
